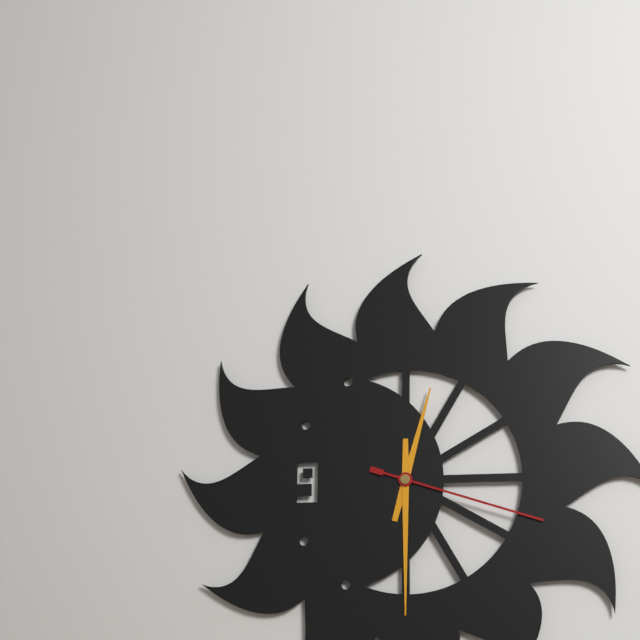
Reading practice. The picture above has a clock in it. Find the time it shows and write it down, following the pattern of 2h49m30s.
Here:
12h30m18s
